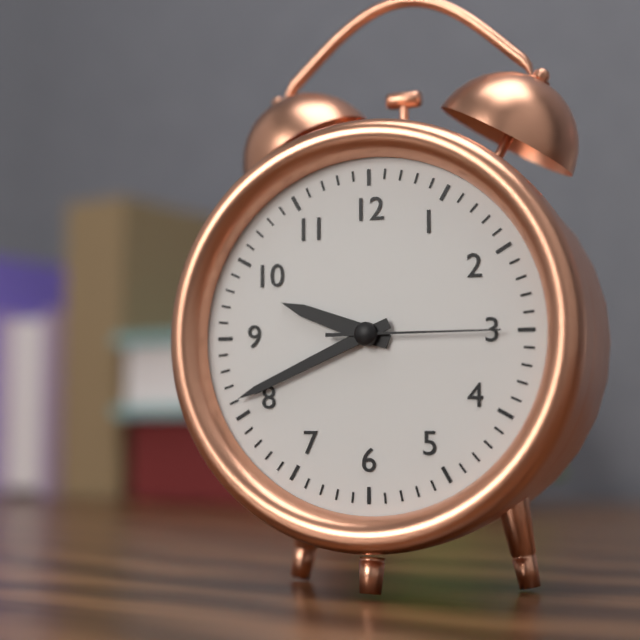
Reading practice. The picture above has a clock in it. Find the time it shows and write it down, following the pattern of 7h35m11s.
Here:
9h41m15s
